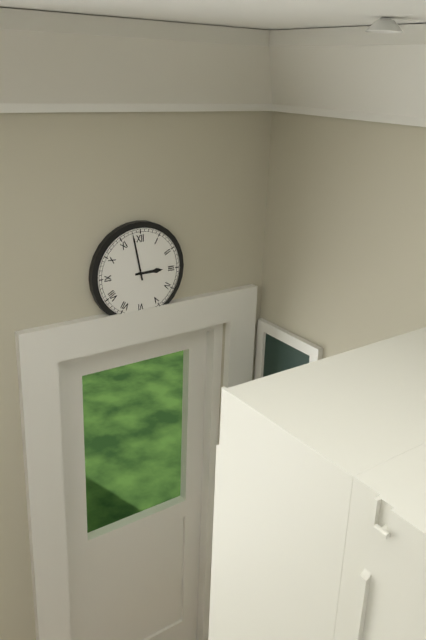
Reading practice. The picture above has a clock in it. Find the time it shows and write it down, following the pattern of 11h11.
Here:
2h58
